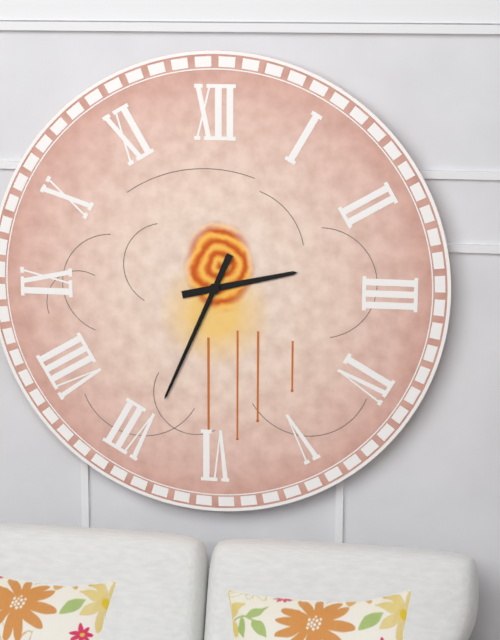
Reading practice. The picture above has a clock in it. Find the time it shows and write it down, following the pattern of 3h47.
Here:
2h34
